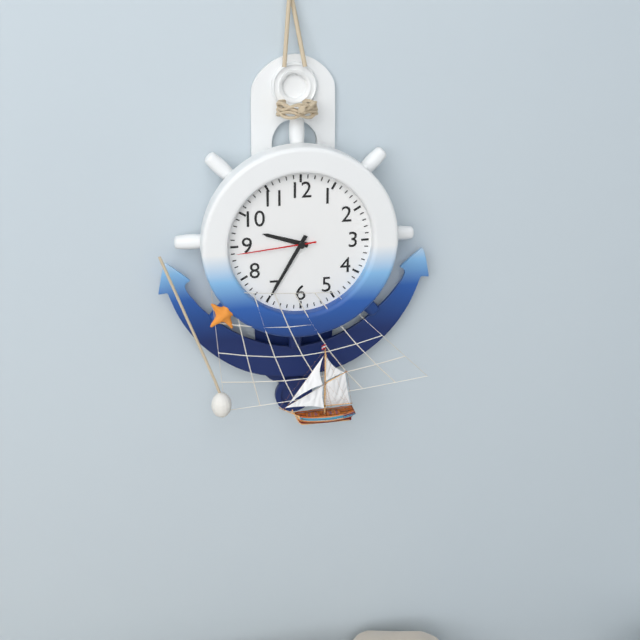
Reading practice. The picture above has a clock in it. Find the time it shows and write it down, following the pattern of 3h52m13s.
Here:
9h35m44s
